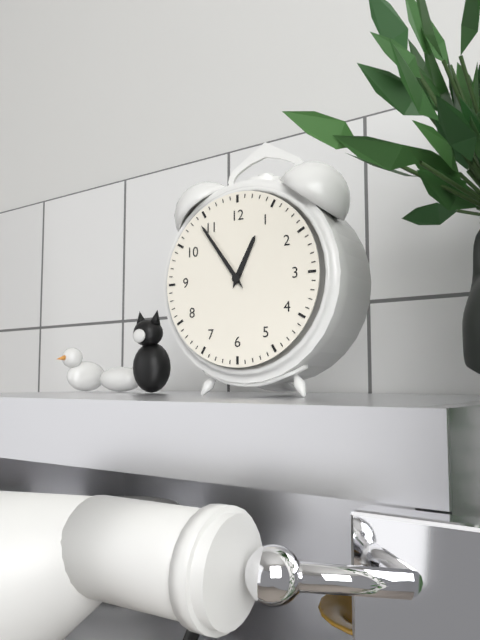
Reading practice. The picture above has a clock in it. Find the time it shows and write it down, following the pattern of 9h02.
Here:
12h54
